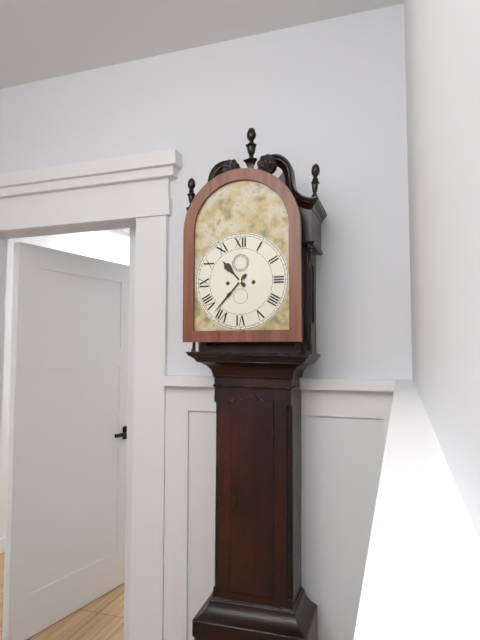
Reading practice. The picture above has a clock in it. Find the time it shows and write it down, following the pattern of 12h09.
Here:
10h37
